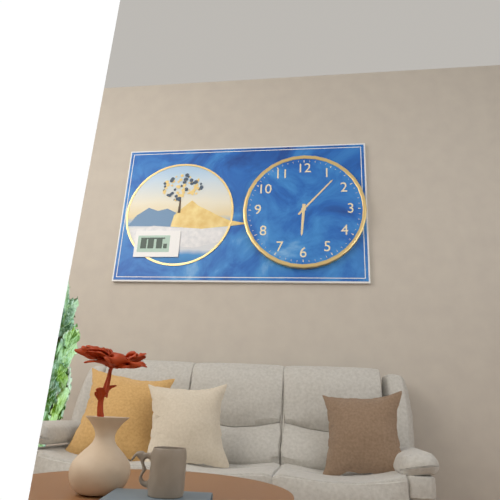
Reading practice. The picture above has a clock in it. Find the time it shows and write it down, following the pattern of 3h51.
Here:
6h07
